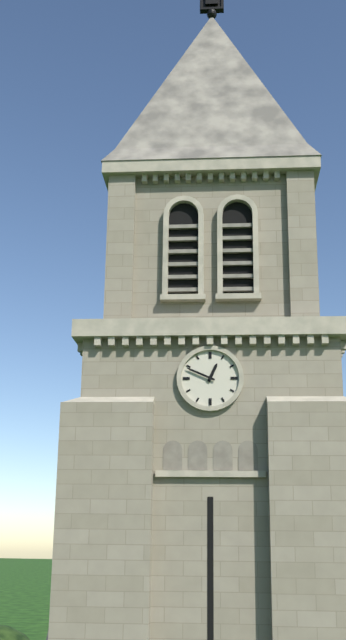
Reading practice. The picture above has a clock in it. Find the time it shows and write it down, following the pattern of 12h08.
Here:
12h49
